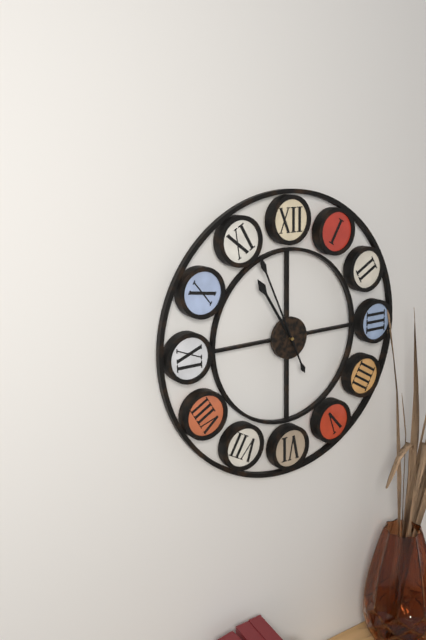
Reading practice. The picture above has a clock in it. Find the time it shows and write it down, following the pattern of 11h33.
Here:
10h56
